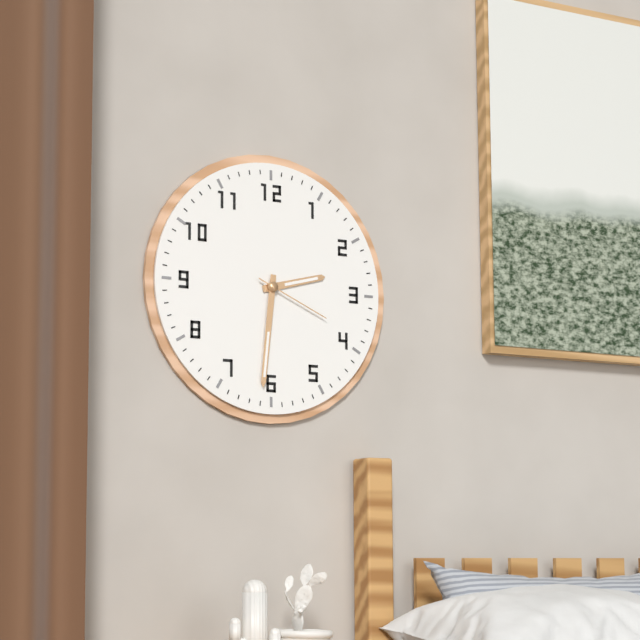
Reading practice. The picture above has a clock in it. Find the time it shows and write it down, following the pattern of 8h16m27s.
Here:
2h31m19s
